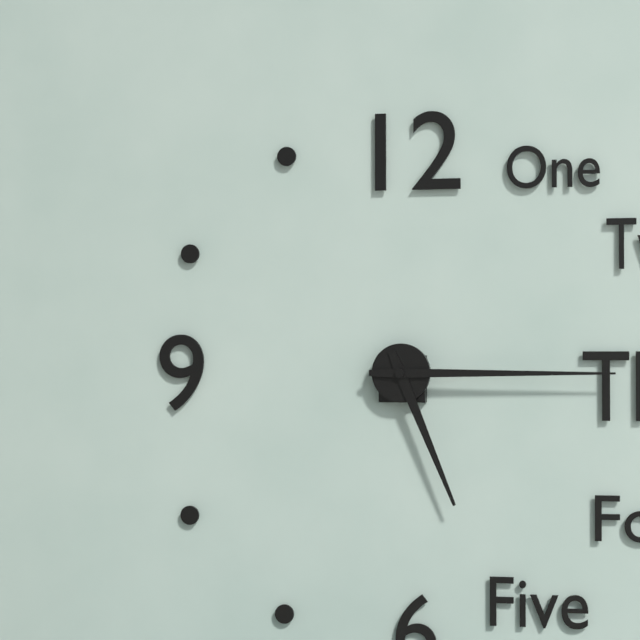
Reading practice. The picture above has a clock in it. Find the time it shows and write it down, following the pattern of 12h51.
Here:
5h15
